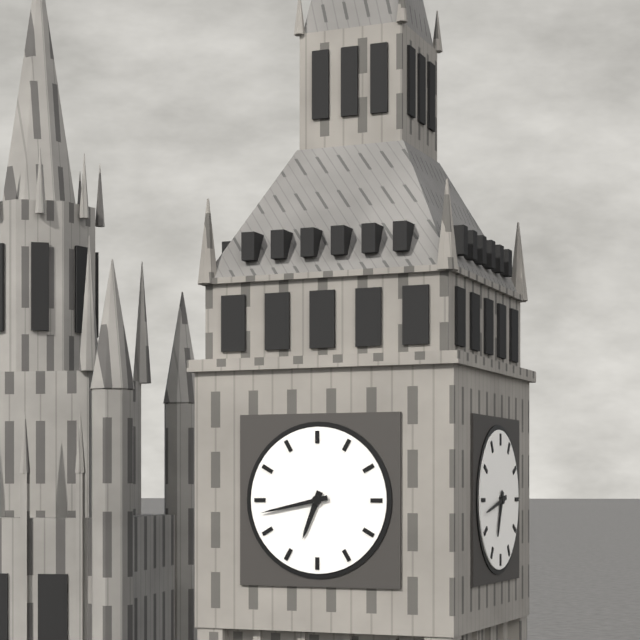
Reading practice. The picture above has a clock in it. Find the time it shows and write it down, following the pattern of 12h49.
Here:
6h43
